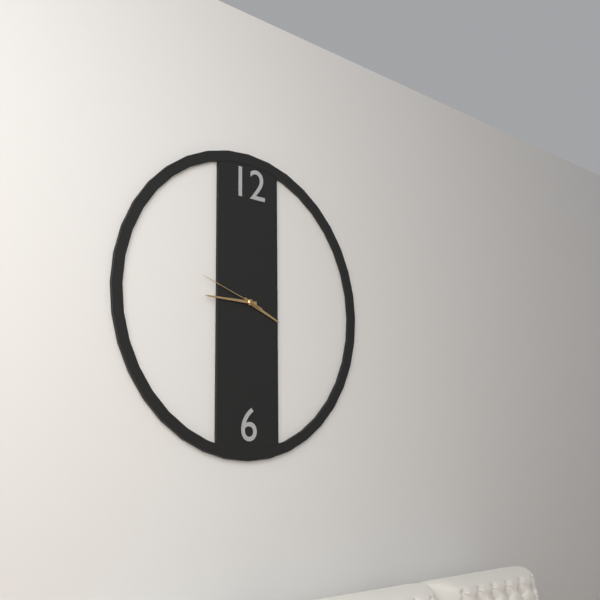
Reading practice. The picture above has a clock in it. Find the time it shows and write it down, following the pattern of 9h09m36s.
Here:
3h45m48s
